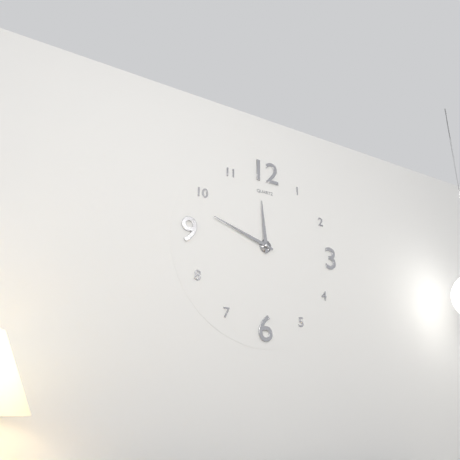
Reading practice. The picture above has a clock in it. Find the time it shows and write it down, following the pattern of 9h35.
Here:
11h48
